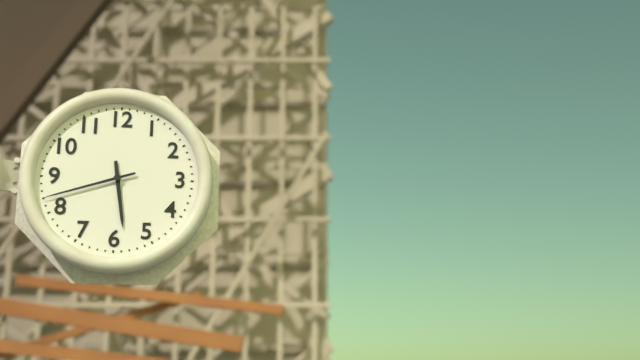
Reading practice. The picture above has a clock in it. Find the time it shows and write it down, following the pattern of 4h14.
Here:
5h42
